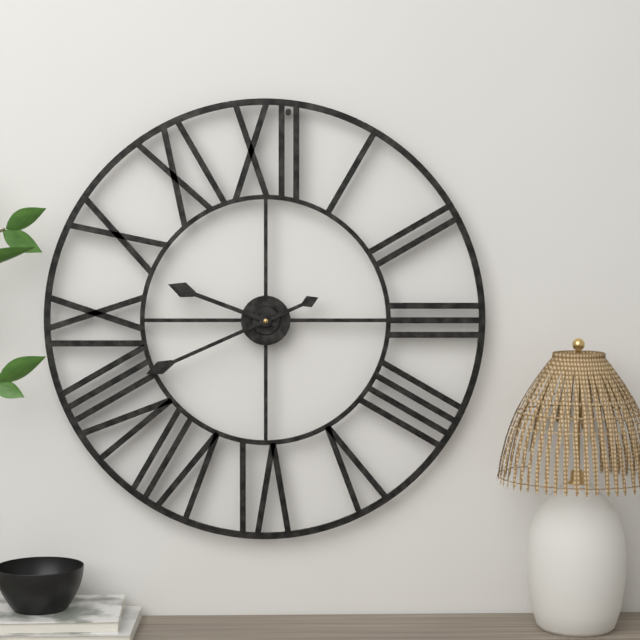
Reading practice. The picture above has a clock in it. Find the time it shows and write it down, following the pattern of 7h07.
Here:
9h41
